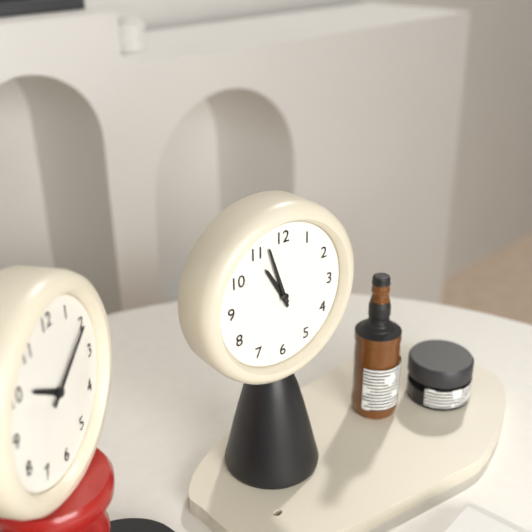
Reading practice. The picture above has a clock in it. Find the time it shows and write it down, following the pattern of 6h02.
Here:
10h57
